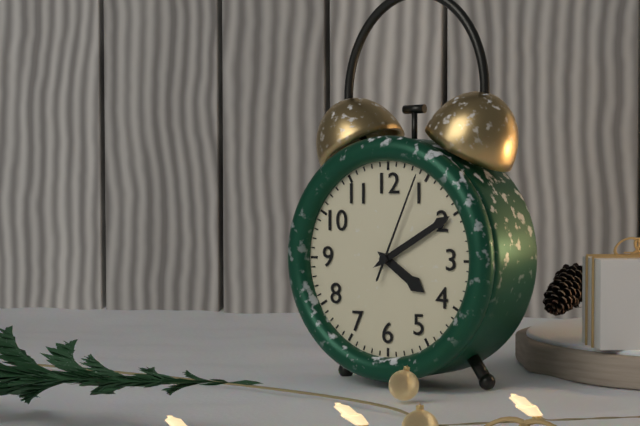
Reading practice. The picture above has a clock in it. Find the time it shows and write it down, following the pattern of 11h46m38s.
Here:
4h10m04s
